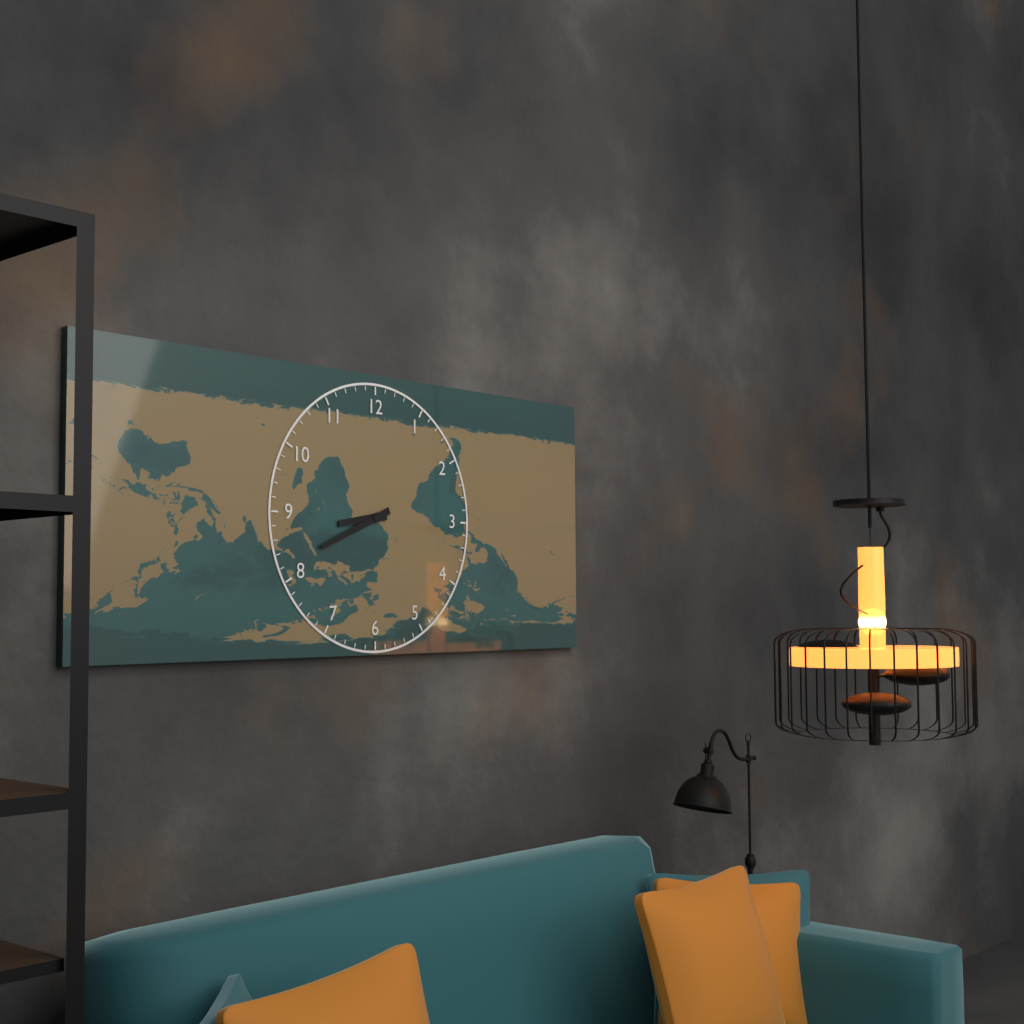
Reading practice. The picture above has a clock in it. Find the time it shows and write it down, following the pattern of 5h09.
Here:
8h41
